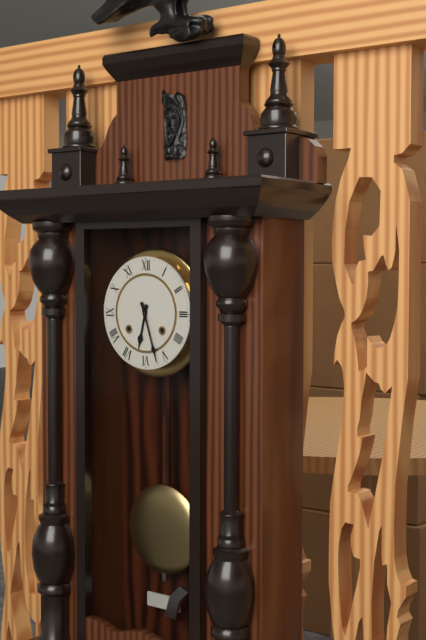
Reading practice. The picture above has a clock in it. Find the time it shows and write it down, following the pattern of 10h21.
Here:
6h27
